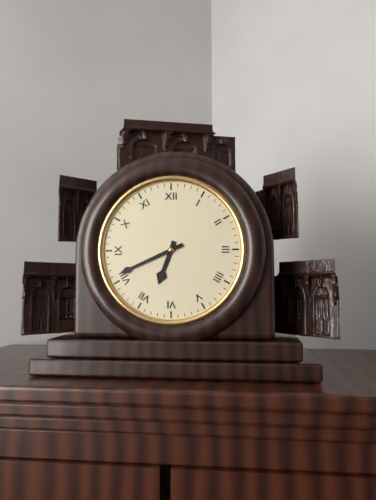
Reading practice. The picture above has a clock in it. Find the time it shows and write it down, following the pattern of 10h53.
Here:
6h41
